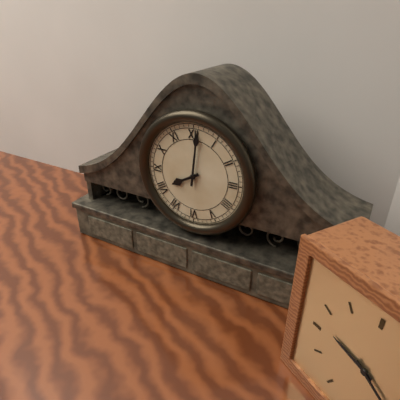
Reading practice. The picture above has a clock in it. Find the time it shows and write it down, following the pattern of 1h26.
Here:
8h01
